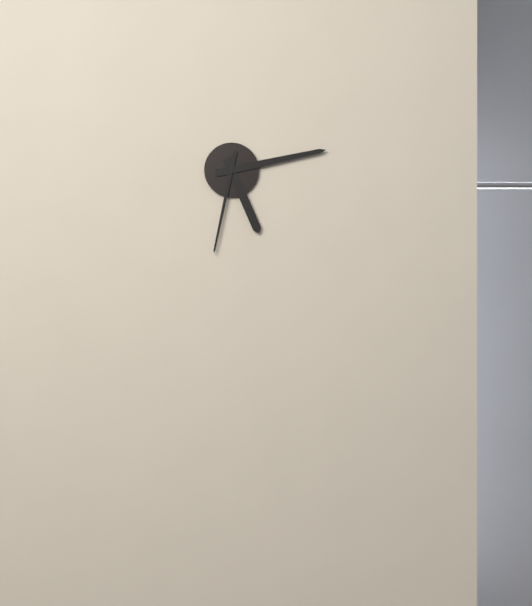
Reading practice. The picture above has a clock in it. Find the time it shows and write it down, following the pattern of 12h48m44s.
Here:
5h13m32s
